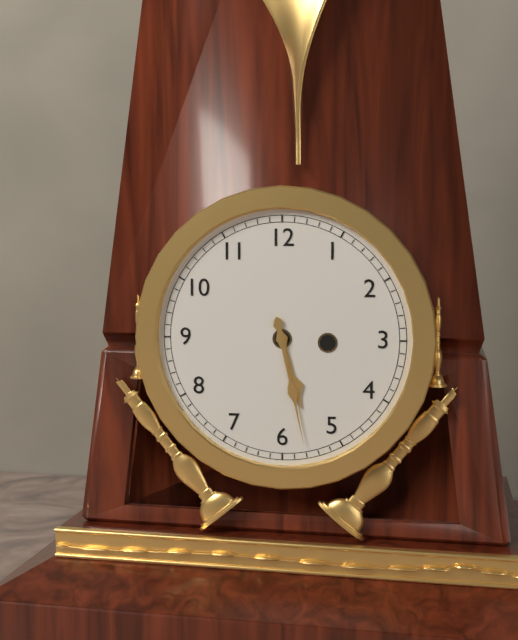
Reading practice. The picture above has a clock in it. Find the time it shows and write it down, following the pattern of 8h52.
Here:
5h28
